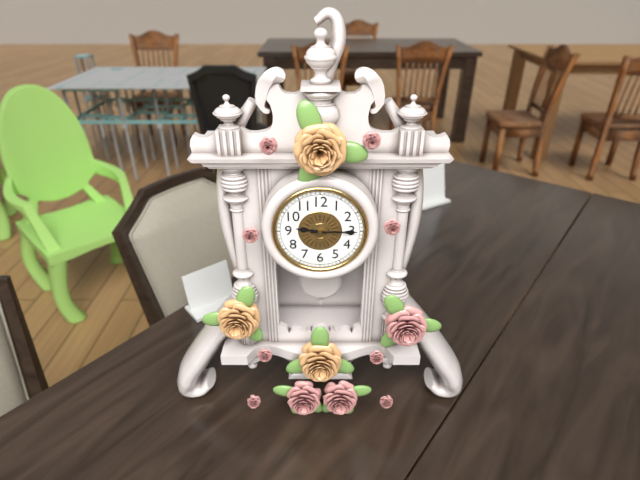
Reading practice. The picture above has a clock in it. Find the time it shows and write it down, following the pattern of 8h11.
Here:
9h15
